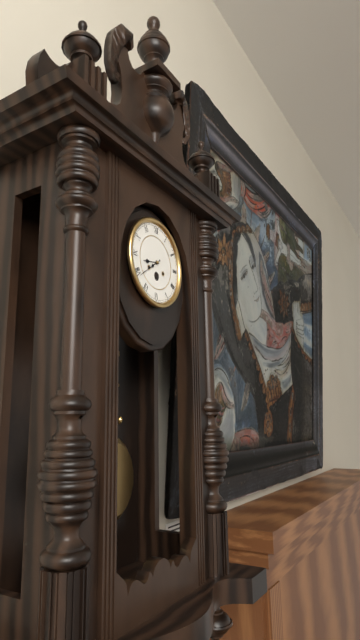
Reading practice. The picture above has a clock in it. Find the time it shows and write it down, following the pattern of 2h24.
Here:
8h39
